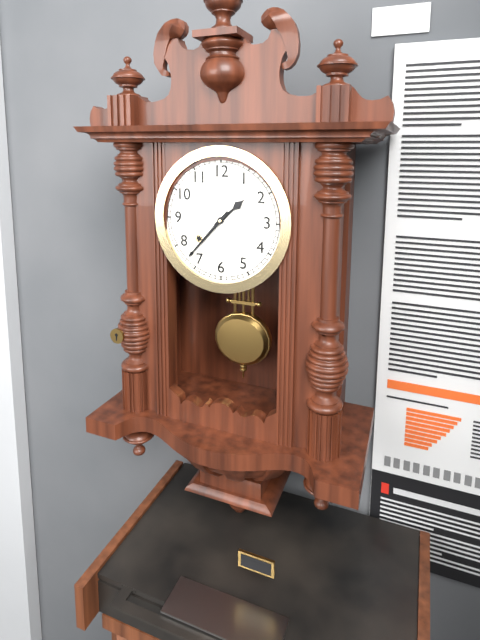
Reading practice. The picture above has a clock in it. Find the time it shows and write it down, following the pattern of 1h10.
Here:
1h37
